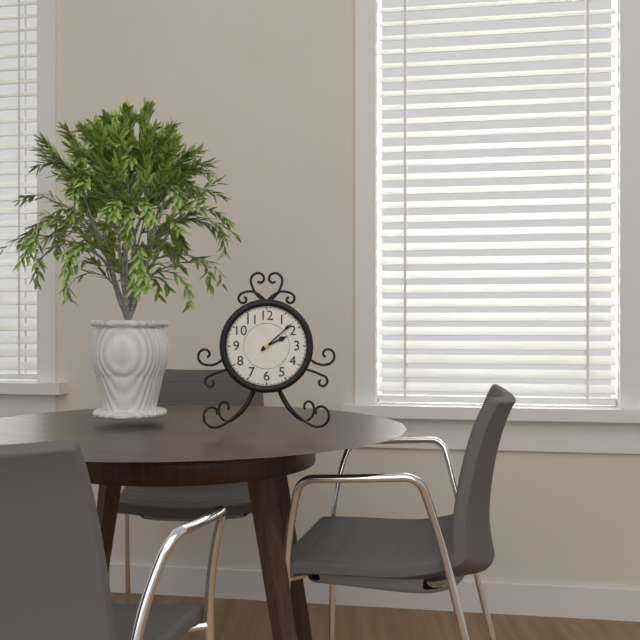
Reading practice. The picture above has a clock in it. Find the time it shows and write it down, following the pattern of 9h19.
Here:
2h08
